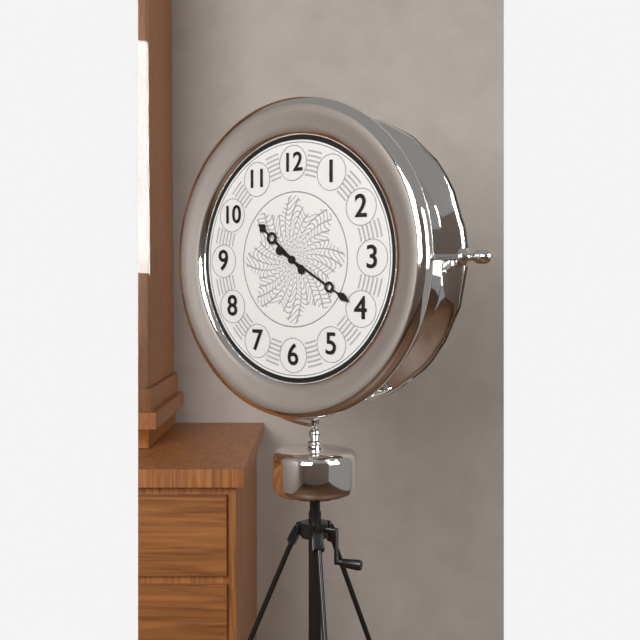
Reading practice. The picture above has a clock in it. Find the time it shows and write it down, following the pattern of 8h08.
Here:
10h20
